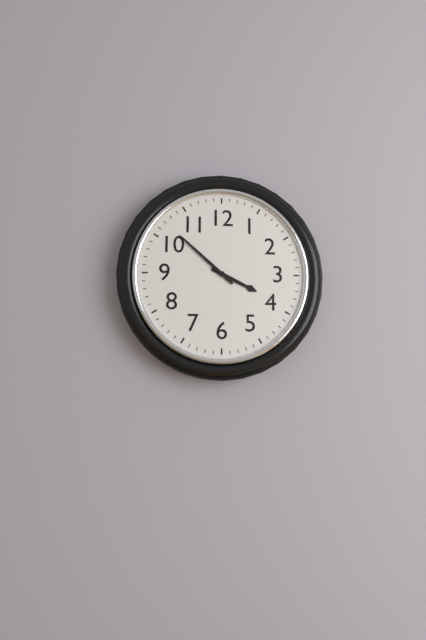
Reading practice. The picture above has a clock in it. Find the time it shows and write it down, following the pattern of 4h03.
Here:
3h52
